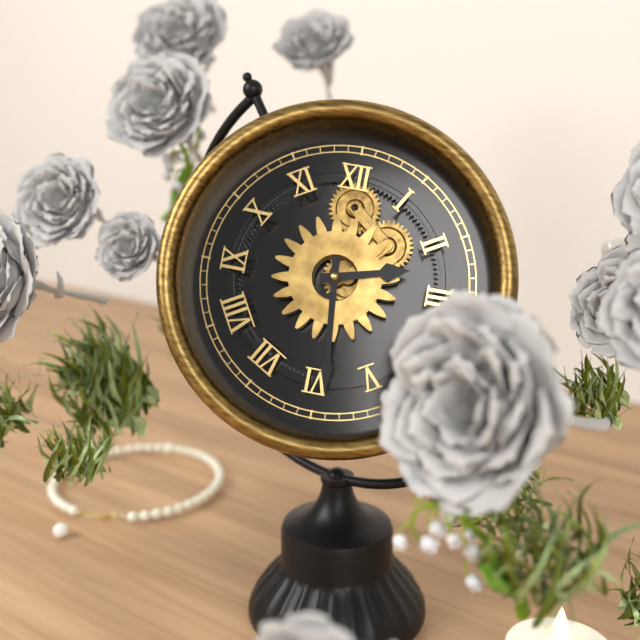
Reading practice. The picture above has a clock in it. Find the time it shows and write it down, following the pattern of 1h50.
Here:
2h29
